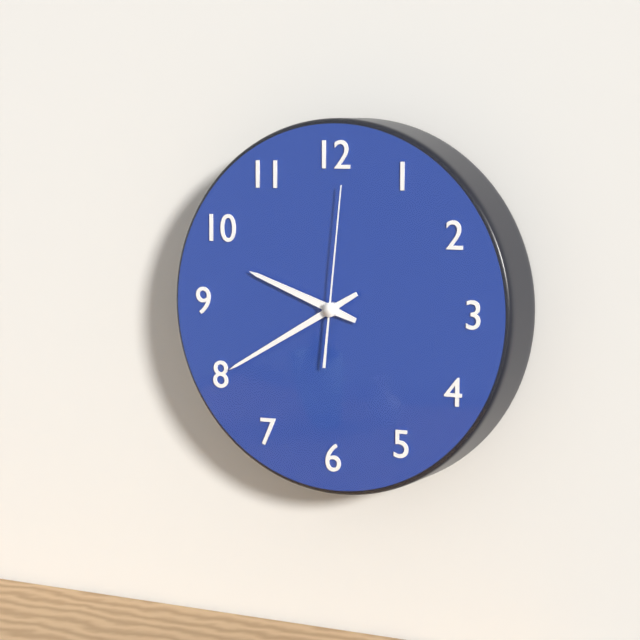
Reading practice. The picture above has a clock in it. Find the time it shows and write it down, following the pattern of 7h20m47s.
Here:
9h40m01s
